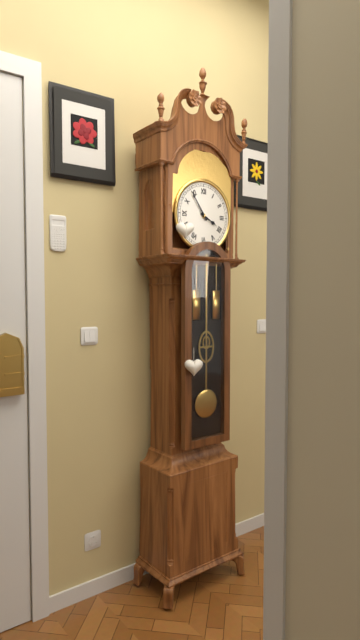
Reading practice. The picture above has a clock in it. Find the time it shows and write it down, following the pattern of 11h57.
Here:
3h54
